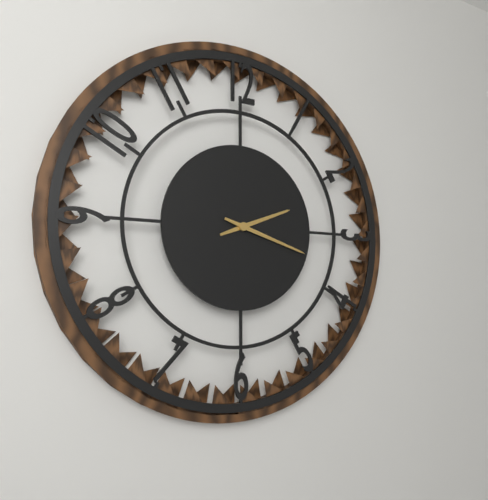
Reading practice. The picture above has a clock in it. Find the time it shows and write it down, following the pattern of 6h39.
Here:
2h18
